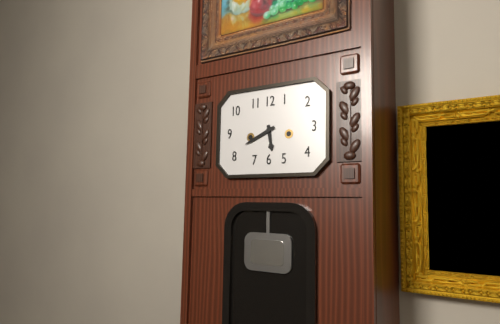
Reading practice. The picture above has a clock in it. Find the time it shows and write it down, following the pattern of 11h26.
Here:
5h41
